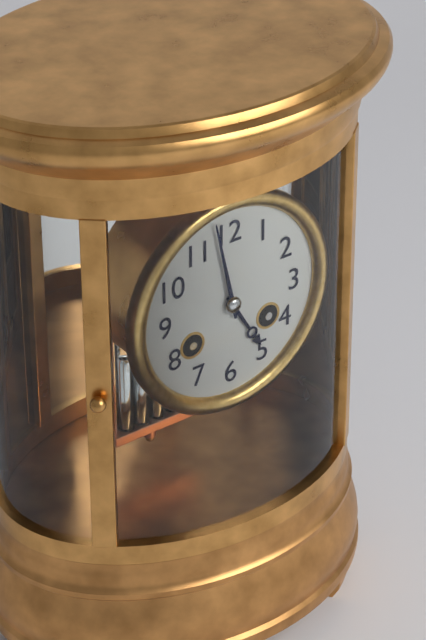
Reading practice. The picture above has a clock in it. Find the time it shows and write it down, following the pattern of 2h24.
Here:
4h58
